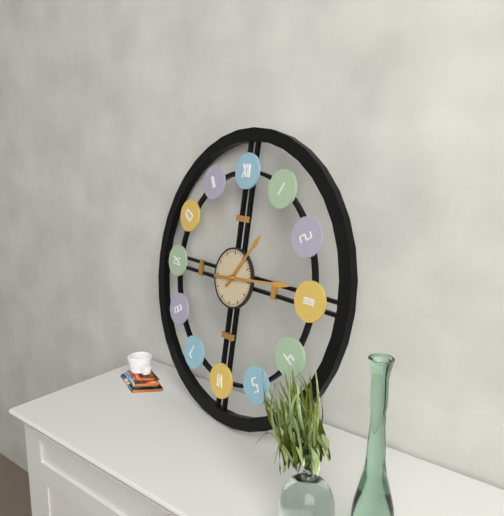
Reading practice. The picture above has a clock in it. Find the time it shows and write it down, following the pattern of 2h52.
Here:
1h14
